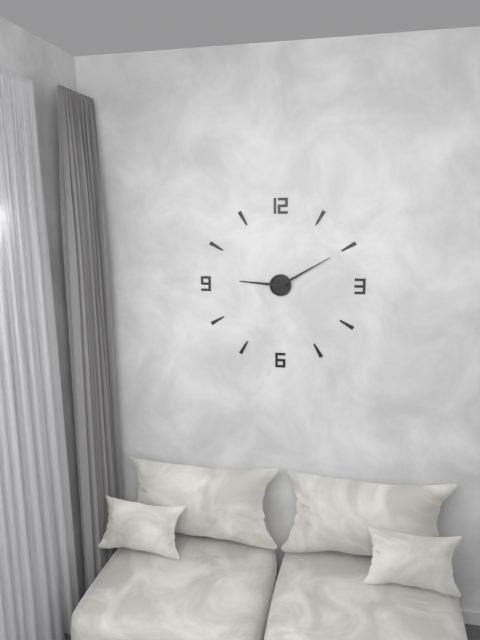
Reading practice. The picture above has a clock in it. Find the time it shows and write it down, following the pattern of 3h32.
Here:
9h10
